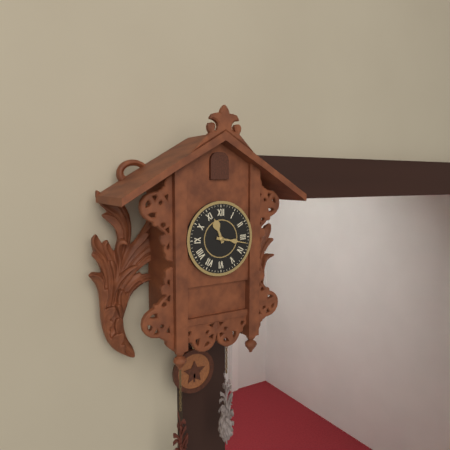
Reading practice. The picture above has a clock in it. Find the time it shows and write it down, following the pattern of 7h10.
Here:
11h17
